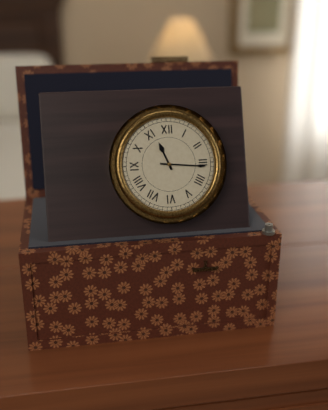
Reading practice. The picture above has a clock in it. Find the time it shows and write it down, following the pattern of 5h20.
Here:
11h16
